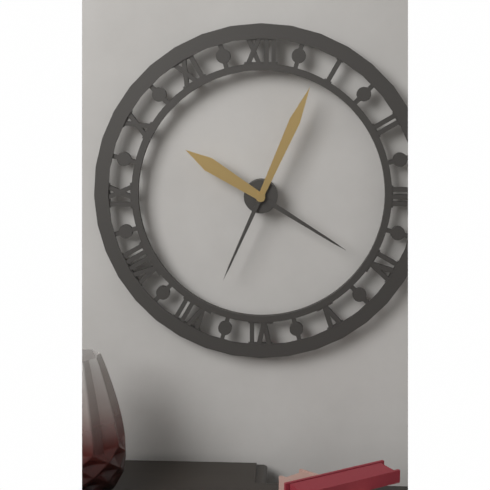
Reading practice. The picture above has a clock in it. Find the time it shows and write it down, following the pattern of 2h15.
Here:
10h04
